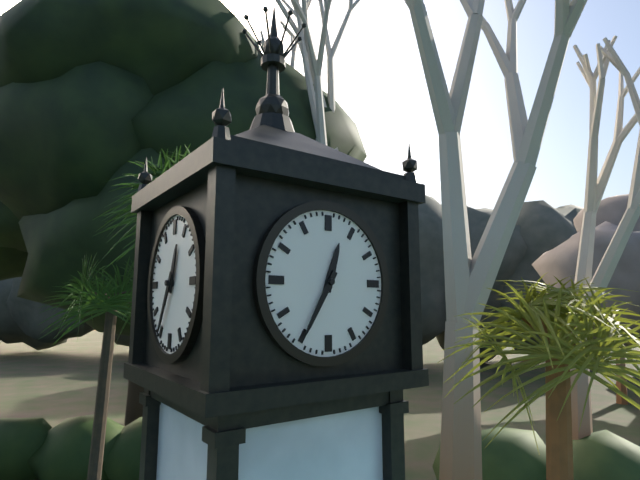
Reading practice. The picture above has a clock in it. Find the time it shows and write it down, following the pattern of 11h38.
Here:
12h35
